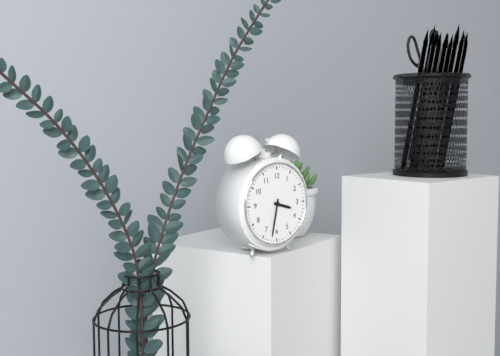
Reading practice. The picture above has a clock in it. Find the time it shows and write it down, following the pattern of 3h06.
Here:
3h32
